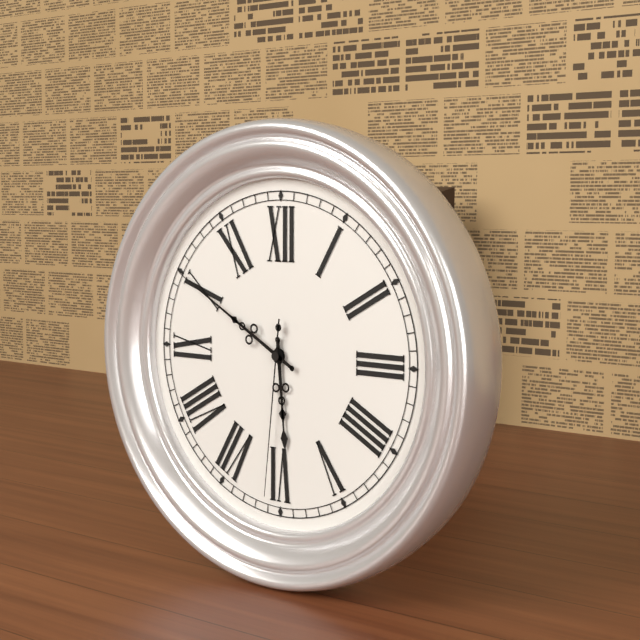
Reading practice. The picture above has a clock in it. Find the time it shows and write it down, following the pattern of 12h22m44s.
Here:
5h50m31s
